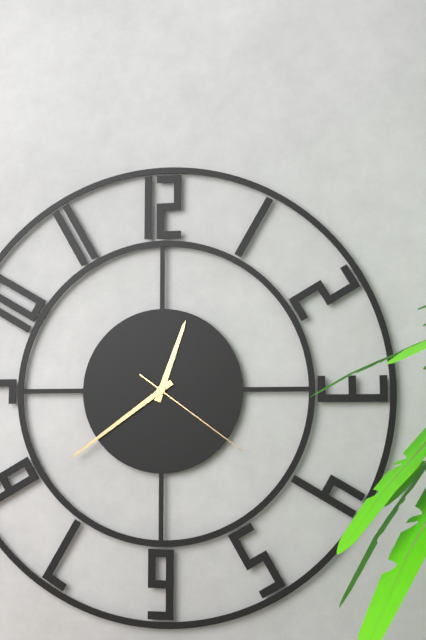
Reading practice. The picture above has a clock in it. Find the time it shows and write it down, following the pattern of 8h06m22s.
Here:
12h39m21s
